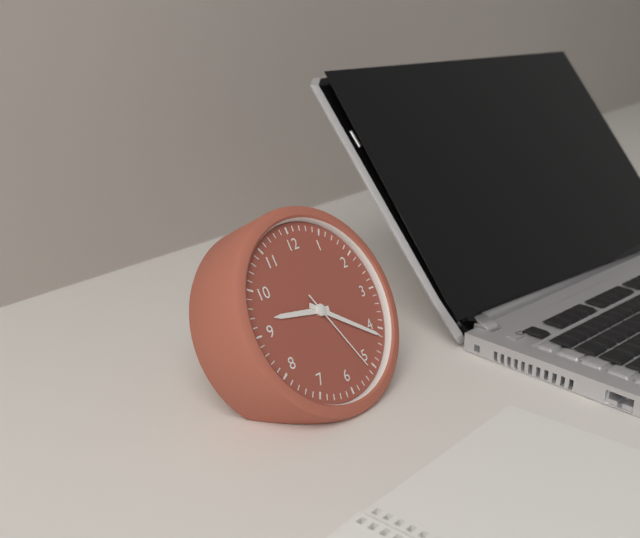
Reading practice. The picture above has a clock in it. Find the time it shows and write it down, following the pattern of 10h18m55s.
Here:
9h21m26s
